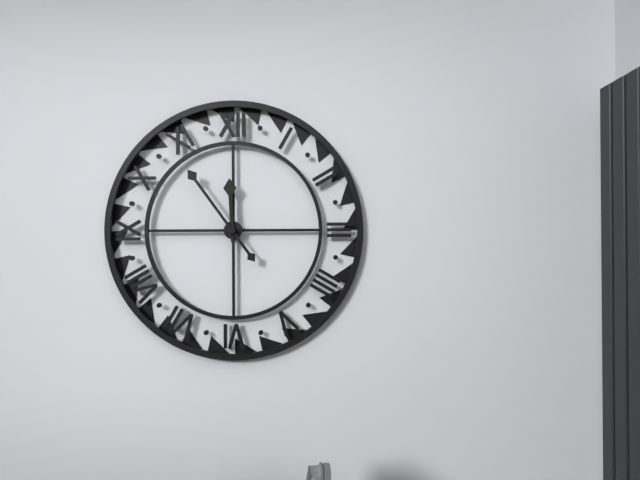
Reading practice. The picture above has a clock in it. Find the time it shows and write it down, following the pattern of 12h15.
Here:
11h54
